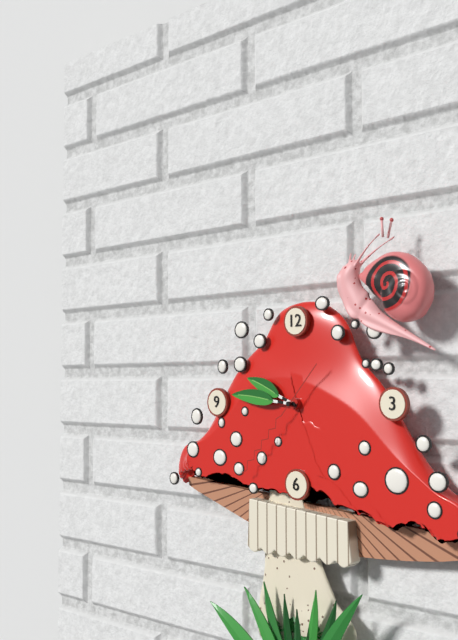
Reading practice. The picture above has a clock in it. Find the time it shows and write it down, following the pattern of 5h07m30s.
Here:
9h46m37s
